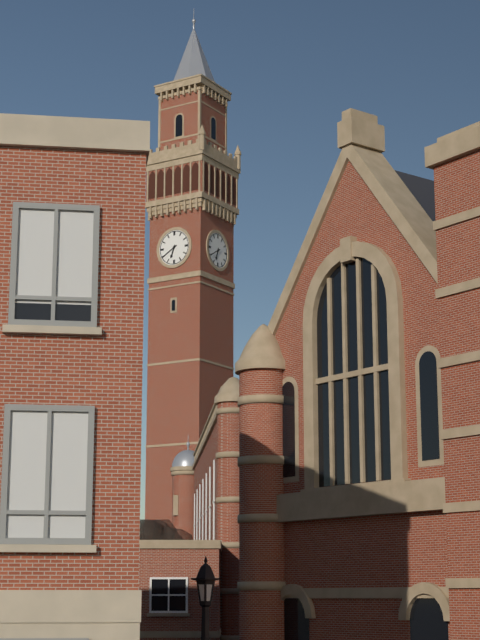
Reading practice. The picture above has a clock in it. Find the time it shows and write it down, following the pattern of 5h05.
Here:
6h40
